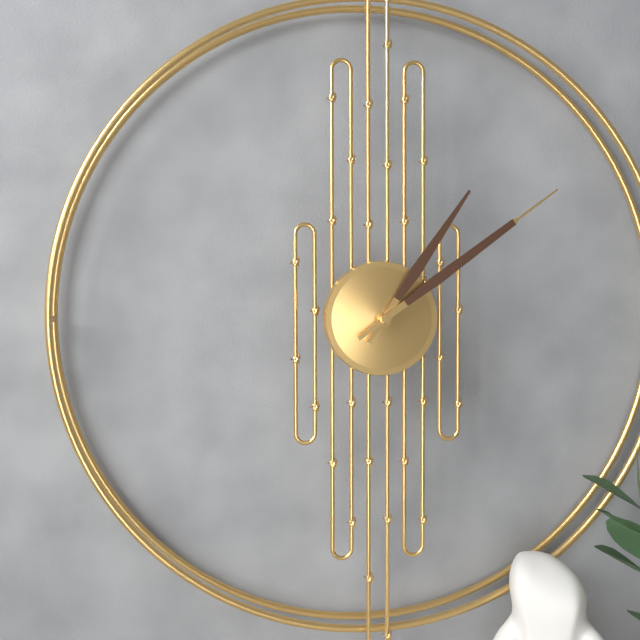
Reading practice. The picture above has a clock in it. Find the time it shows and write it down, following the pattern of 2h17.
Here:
1h09
